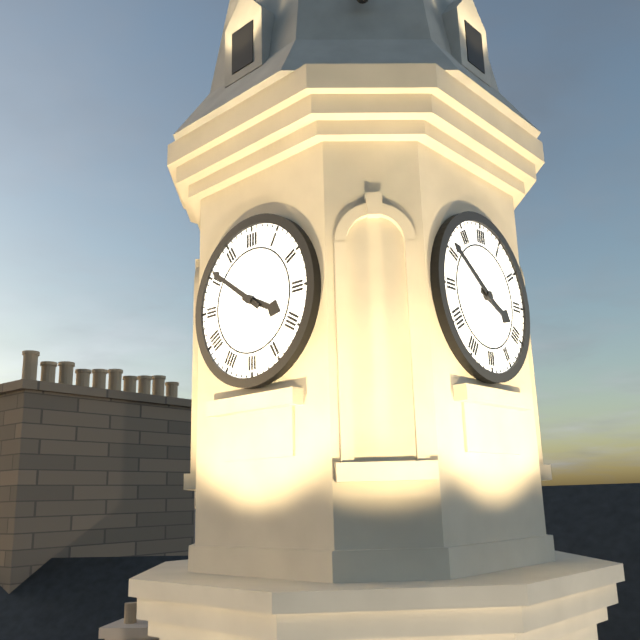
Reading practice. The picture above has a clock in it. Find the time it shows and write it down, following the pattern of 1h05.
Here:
3h51
